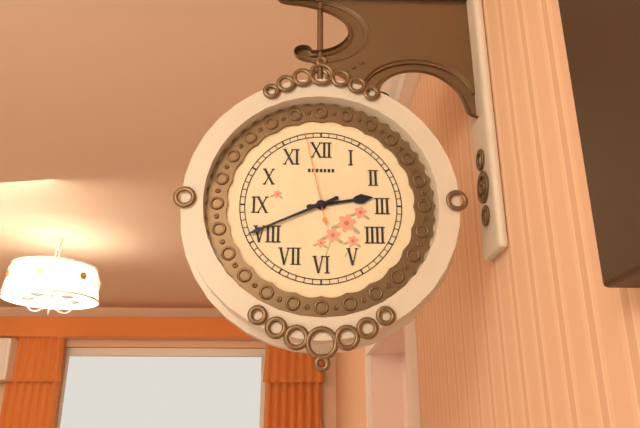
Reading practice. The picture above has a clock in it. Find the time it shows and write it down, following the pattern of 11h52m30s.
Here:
2h41m58s
